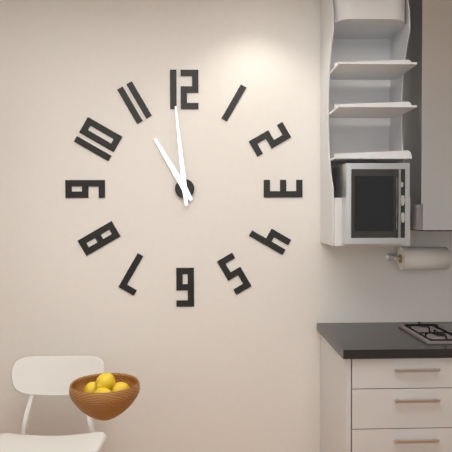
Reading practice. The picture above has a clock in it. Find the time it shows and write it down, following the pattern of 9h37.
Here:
10h59
